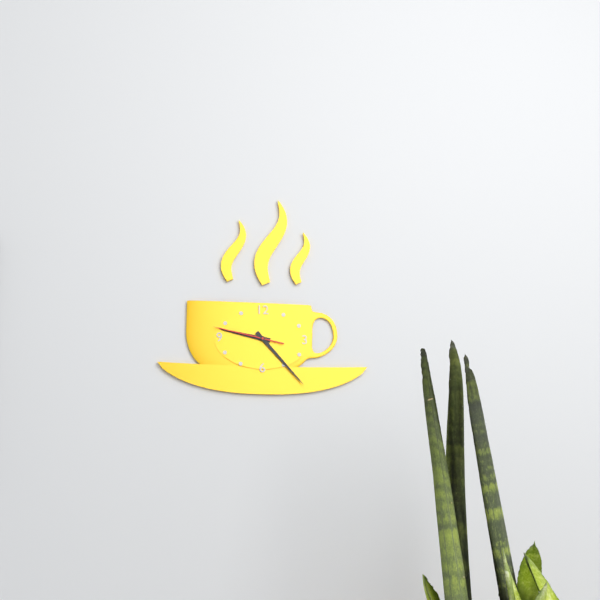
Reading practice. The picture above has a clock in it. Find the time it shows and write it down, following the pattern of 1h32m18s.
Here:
9h23m47s
